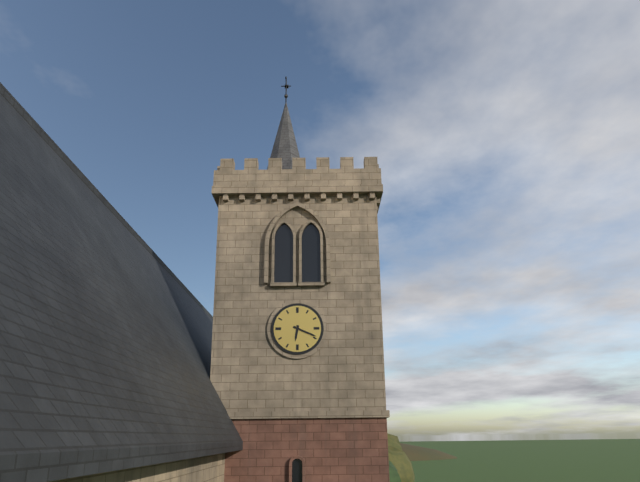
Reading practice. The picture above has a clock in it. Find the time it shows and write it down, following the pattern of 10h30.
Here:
6h19
